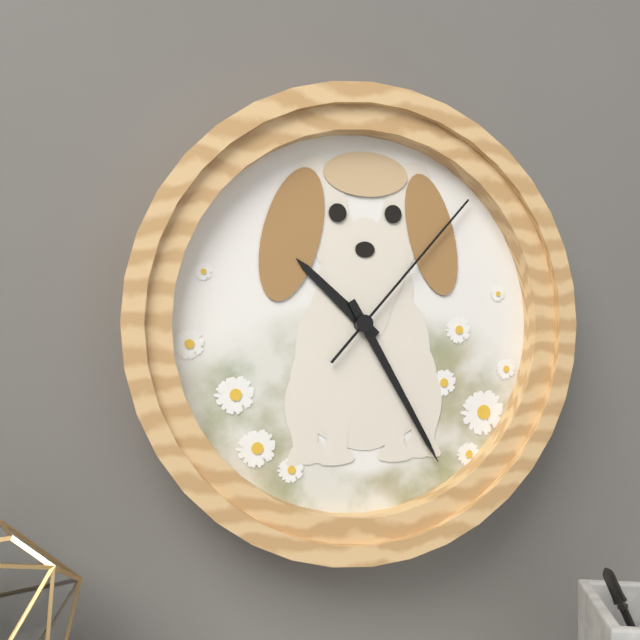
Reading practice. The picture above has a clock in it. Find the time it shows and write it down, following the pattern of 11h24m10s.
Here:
10h25m07s
